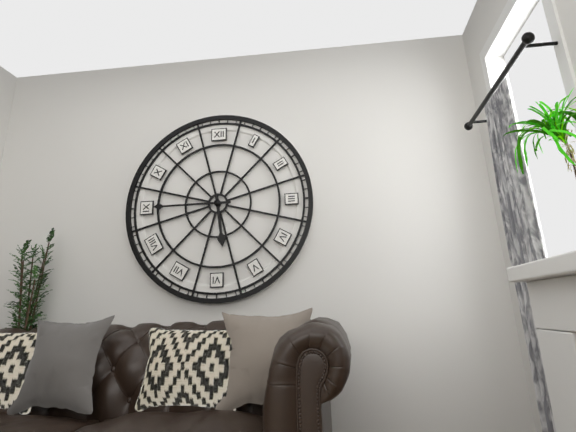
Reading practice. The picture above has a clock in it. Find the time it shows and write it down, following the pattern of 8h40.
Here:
5h45
